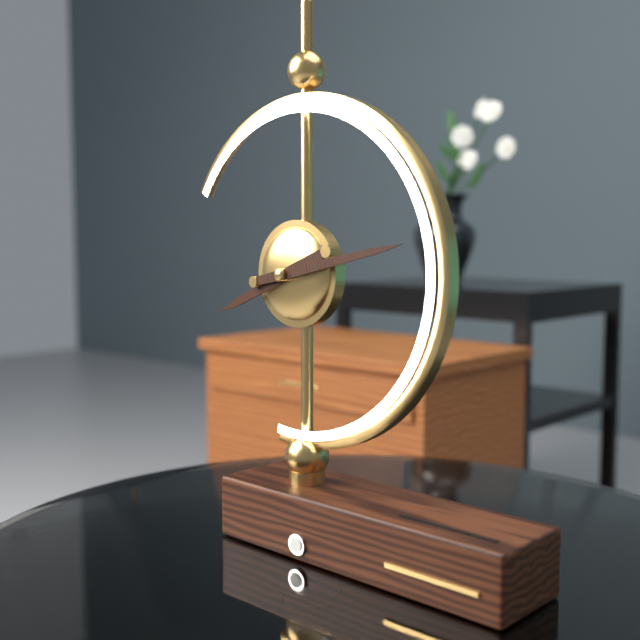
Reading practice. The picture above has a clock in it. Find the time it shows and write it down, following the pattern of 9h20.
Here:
8h13
